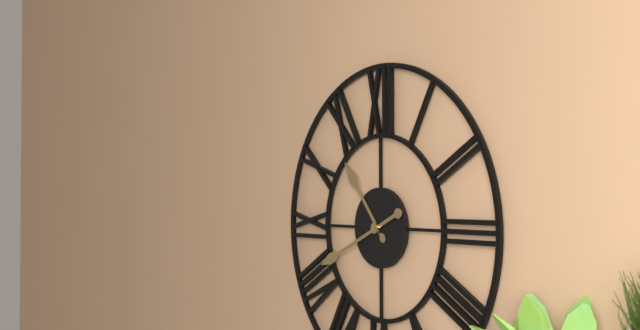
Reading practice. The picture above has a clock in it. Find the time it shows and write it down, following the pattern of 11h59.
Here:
10h41
